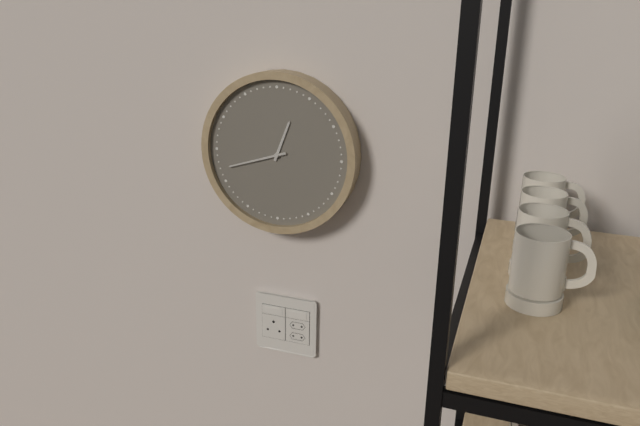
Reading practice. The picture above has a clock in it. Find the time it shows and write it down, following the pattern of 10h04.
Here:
12h42
